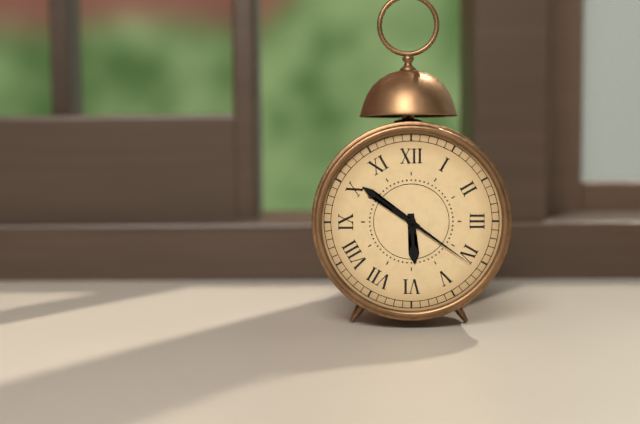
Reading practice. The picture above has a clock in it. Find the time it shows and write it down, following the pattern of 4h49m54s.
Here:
5h51m21s
